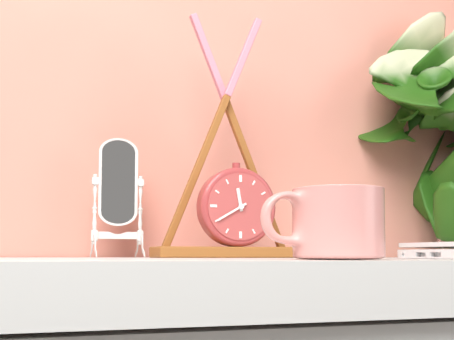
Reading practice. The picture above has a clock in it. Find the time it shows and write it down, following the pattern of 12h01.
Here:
11h40
